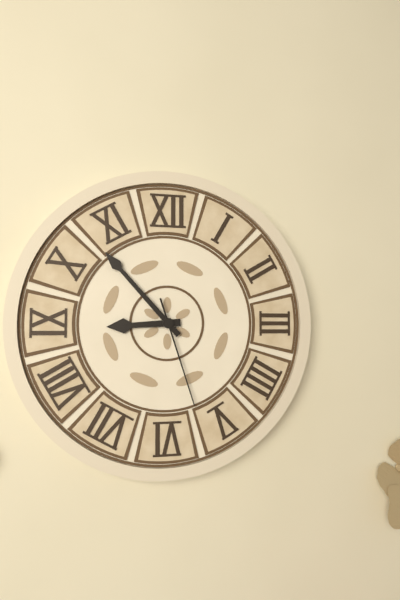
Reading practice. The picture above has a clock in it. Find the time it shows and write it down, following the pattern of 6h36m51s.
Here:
8h53m27s
